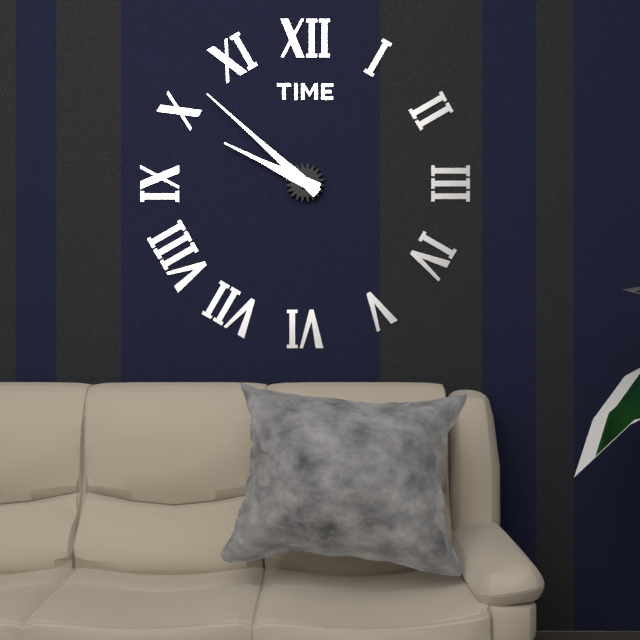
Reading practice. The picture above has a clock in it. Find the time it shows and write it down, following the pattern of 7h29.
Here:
9h52
